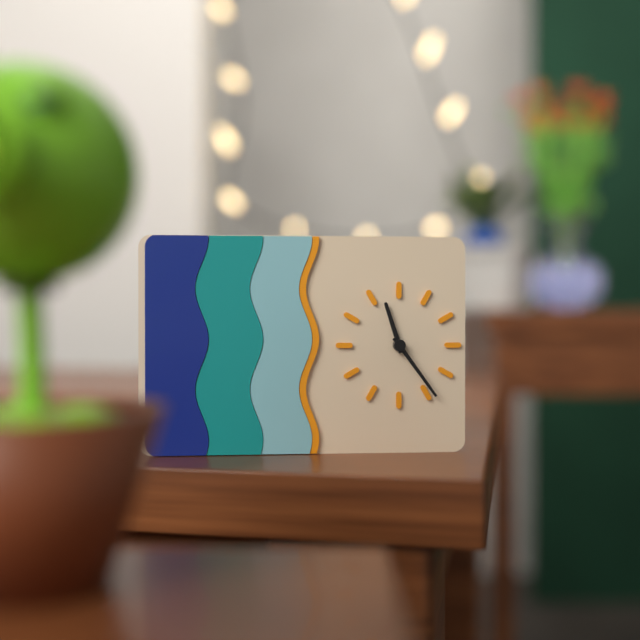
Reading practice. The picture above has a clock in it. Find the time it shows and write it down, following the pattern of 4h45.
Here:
11h24
